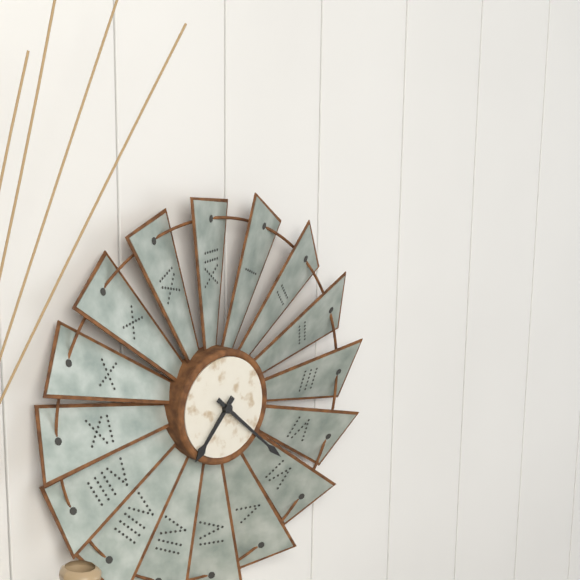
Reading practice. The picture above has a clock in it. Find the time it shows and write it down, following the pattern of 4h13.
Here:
7h22
